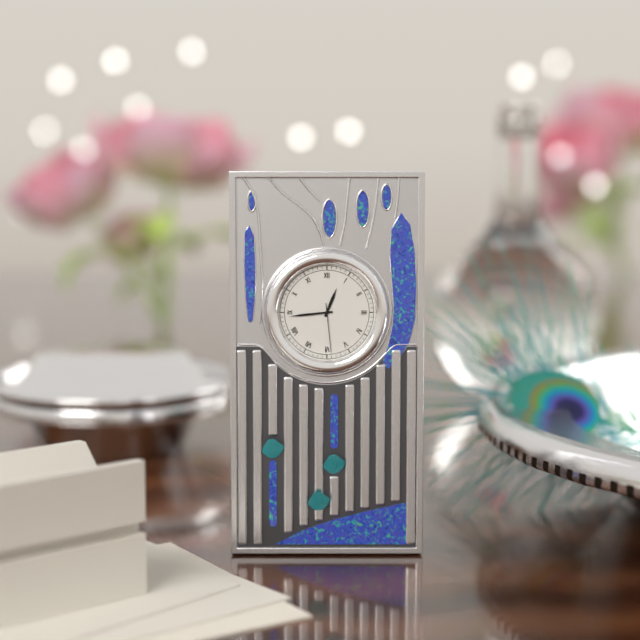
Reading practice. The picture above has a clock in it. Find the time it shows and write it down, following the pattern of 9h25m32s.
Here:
12h44m29s
